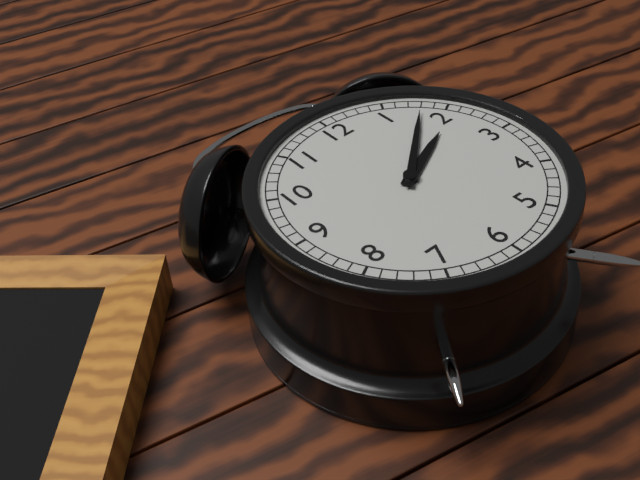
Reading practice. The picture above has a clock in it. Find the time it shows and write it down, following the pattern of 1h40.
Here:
2h08
